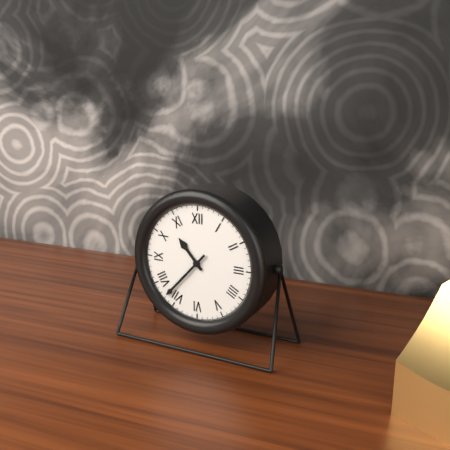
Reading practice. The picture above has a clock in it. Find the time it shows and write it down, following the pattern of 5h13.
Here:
10h37
